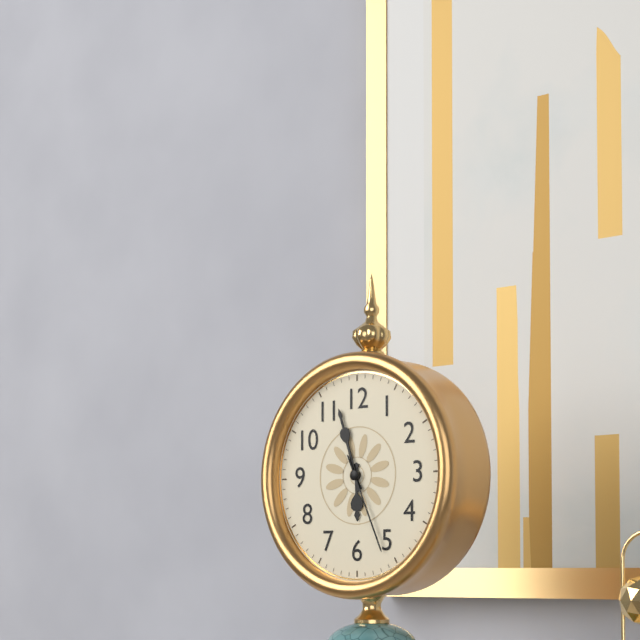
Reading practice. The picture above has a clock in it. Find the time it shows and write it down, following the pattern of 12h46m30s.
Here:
5h57m26s
